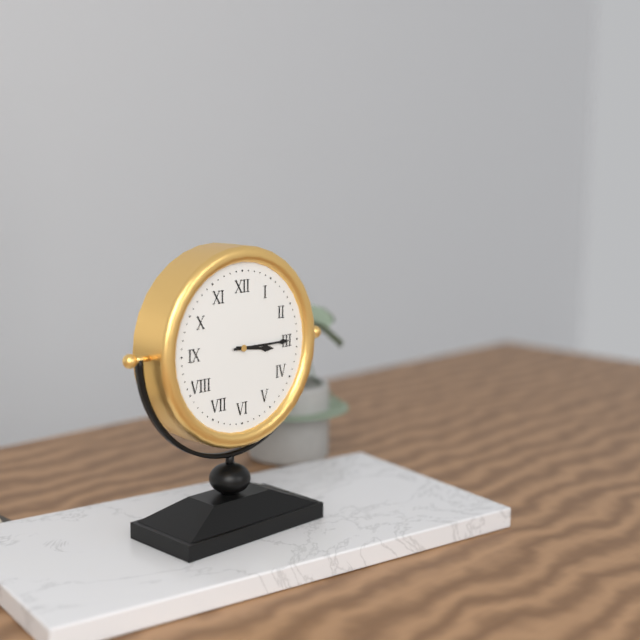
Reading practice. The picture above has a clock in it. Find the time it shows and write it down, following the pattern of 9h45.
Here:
3h15
